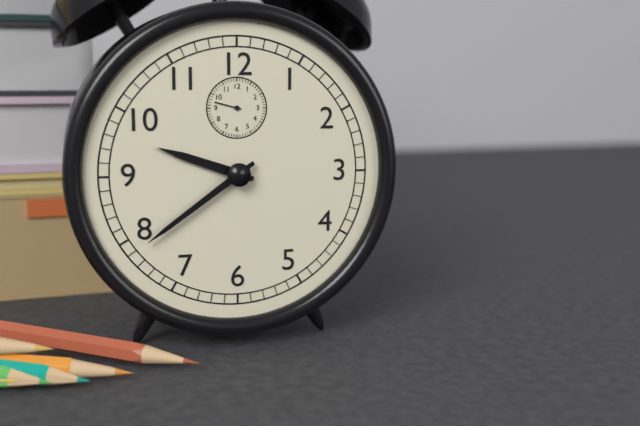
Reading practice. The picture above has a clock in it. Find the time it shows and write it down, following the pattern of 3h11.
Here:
9h39
